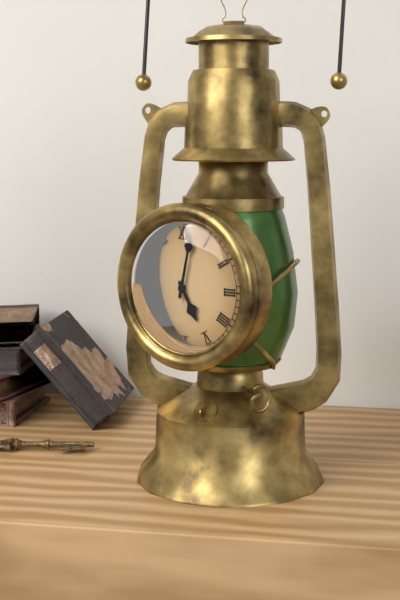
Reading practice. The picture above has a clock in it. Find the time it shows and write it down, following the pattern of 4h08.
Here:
5h02
